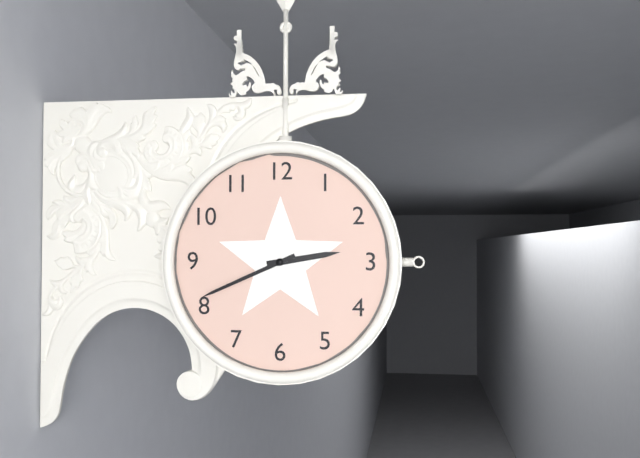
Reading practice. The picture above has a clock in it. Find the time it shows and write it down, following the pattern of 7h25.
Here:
2h41
